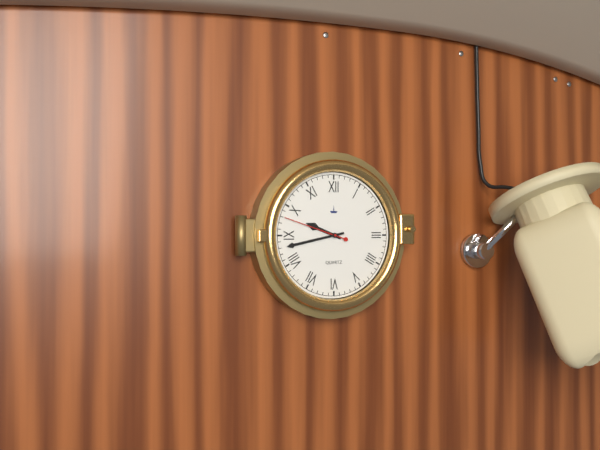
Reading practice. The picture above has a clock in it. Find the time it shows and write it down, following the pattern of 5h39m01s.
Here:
9h43m48s
